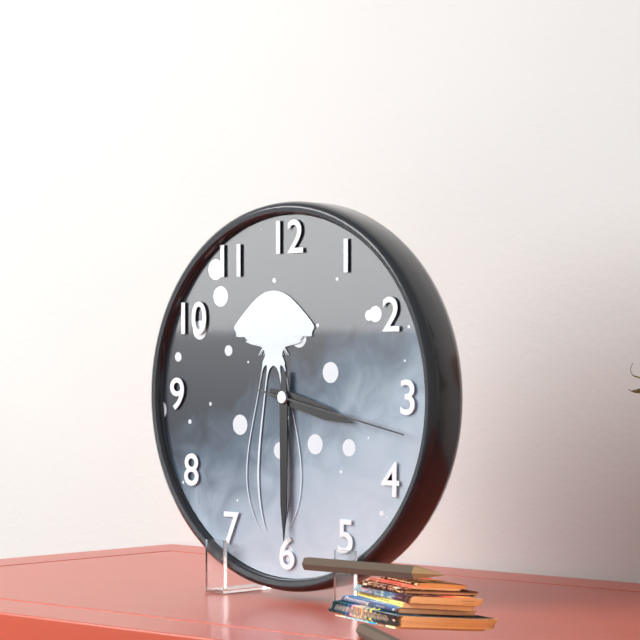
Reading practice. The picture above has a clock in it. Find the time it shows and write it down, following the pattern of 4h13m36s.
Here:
3h30m17s
